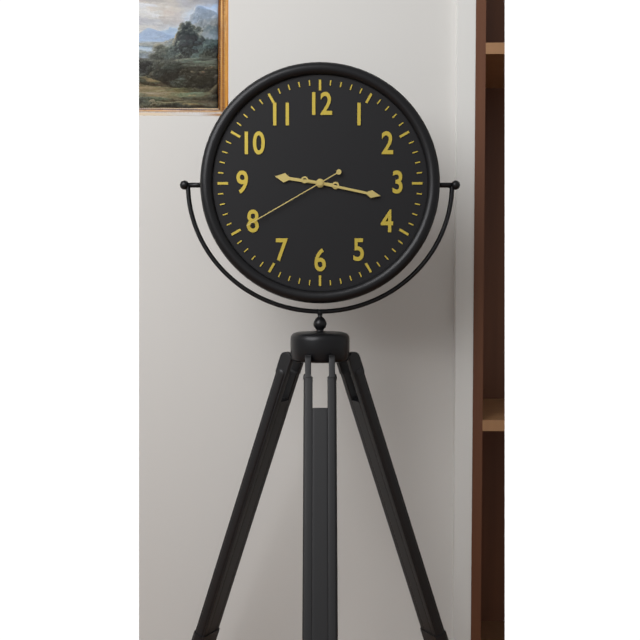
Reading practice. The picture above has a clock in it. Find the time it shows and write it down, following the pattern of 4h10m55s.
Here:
9h17m40s
